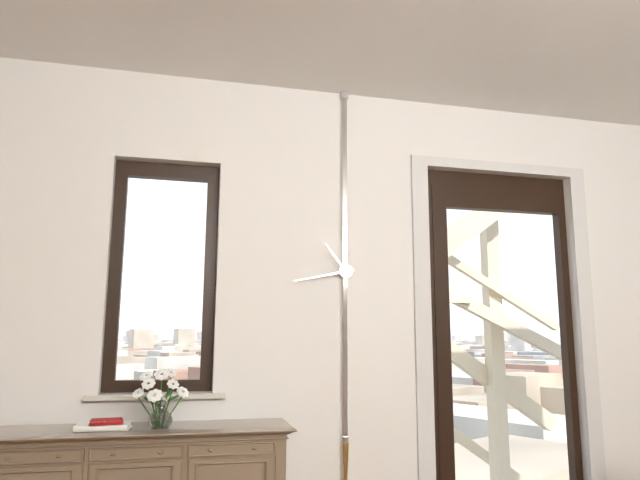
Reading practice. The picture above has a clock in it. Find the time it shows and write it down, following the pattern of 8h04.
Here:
10h43
